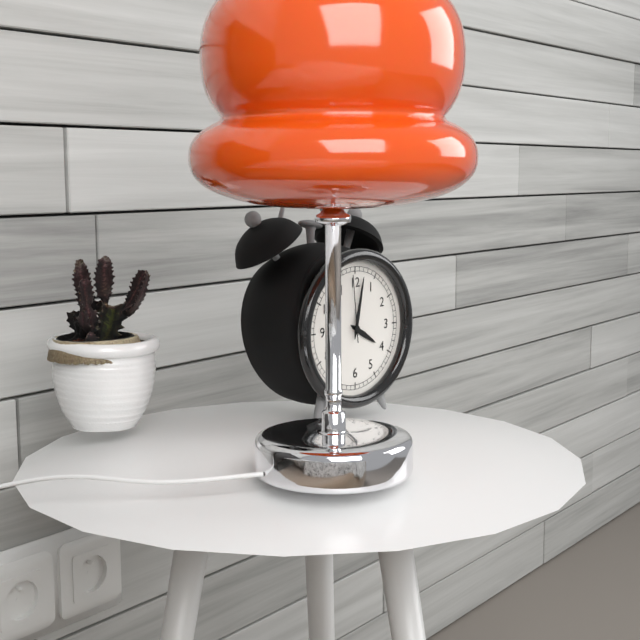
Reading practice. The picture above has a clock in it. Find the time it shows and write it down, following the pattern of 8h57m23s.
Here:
4h02m59s
